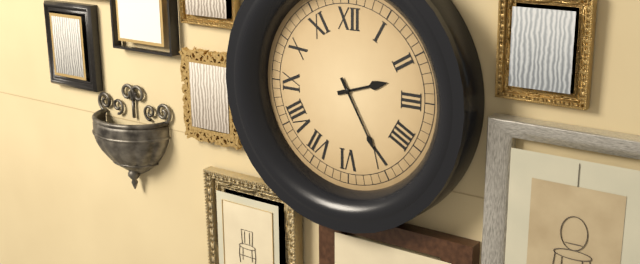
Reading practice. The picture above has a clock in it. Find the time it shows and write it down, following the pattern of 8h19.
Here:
2h25
